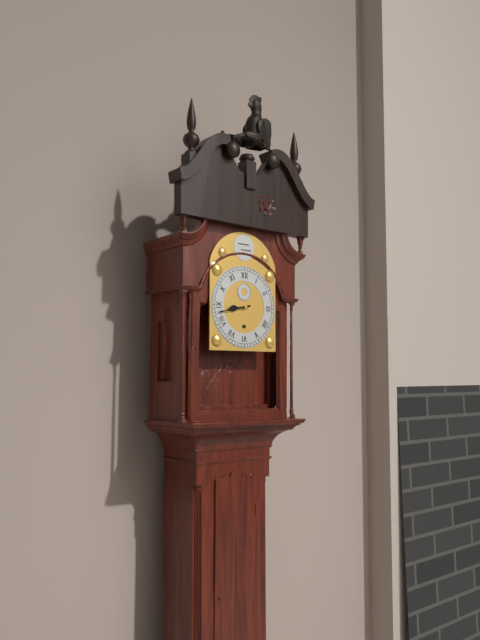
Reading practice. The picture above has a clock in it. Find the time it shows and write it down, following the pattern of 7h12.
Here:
8h43
